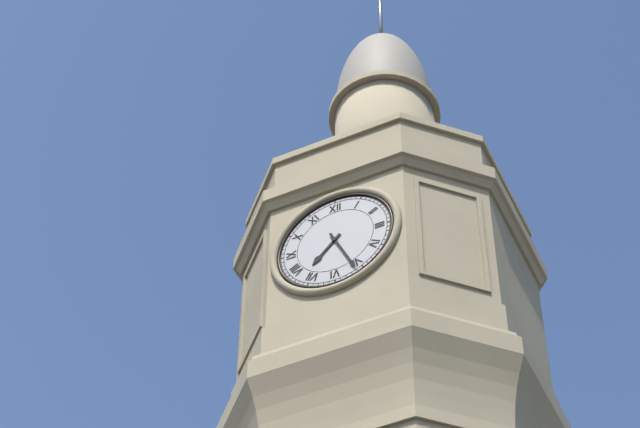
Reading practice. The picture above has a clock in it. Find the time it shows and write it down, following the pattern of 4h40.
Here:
7h26
